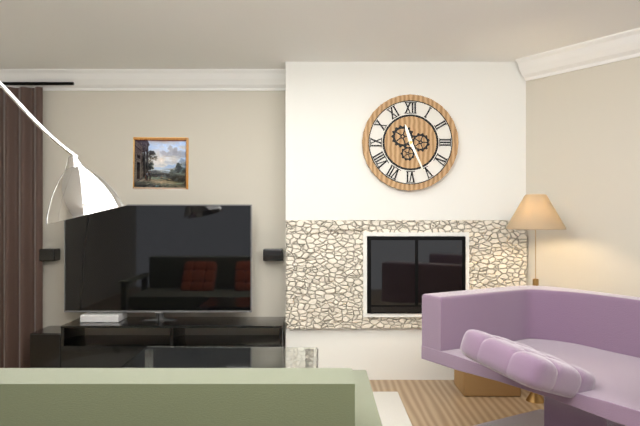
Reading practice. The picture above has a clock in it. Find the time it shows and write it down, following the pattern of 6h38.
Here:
11h26
